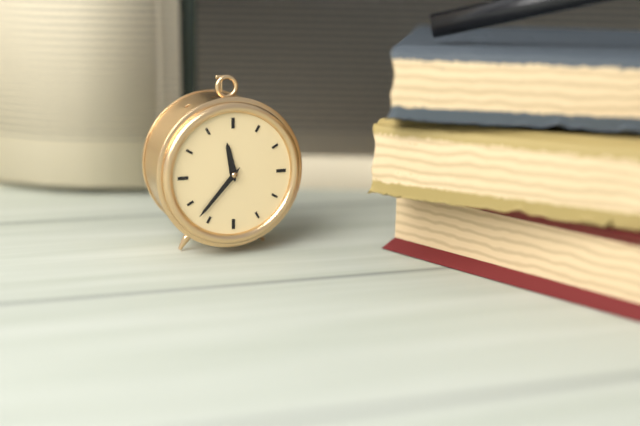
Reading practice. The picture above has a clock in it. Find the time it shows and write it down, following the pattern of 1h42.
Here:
11h37
